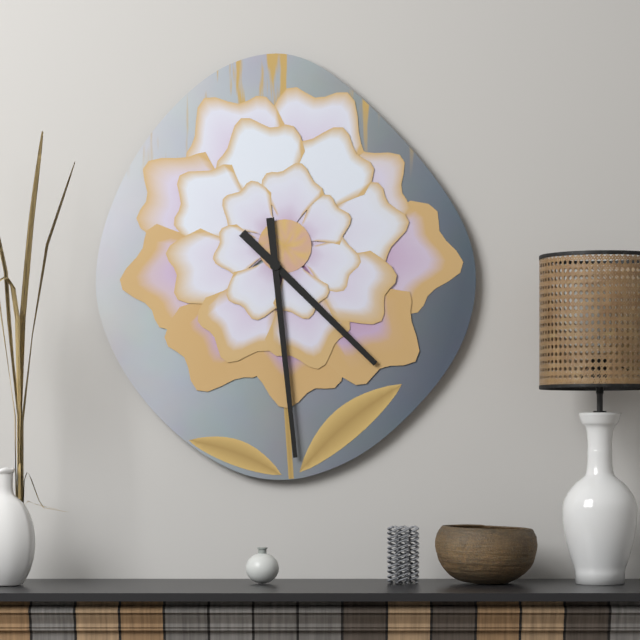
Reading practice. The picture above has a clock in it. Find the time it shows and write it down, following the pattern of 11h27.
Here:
4h29
